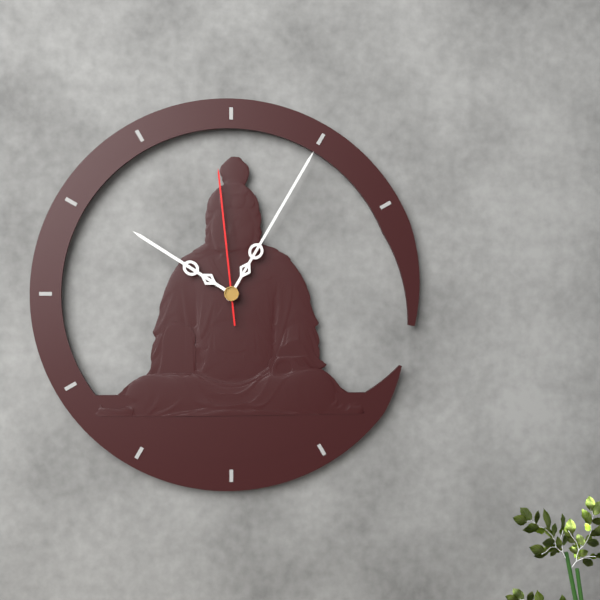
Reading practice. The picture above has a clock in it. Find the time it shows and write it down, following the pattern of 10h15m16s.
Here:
10h05m59s
